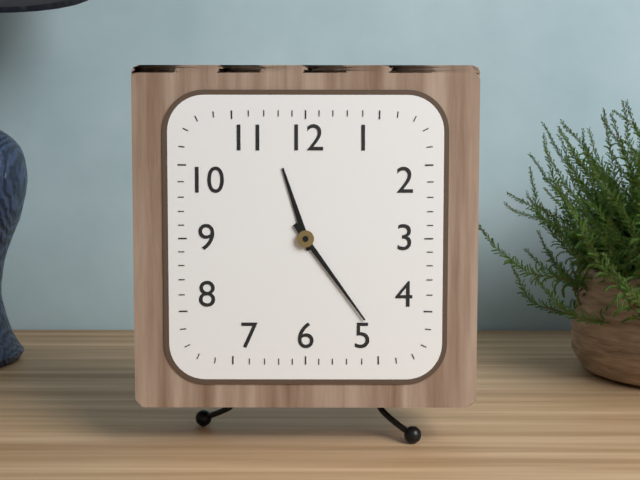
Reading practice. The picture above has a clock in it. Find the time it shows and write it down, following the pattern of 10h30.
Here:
11h24
